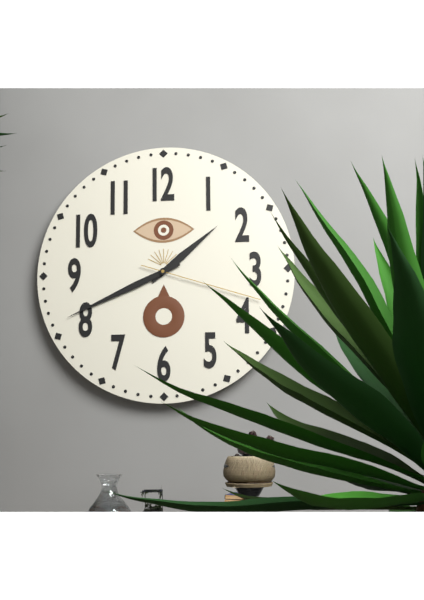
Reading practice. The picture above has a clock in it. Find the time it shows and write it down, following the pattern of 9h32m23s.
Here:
1h41m18s
